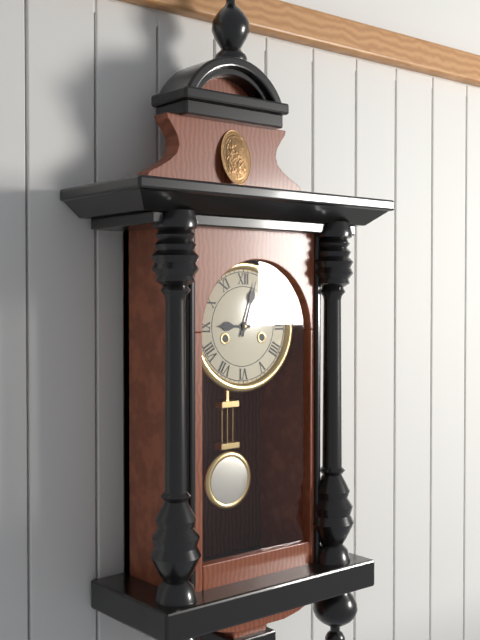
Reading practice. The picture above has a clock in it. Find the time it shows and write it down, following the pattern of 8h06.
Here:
9h03
